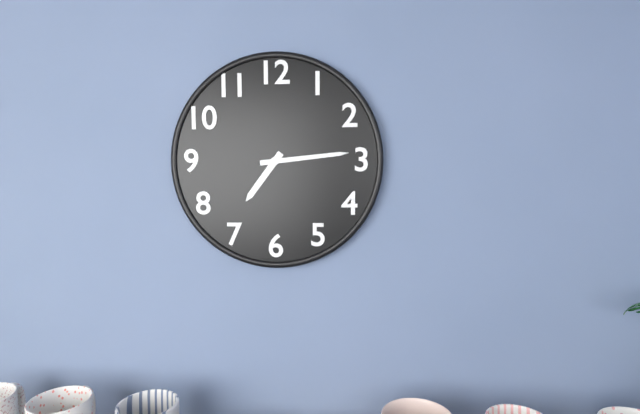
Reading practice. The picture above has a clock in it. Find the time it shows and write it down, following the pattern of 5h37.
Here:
7h14
